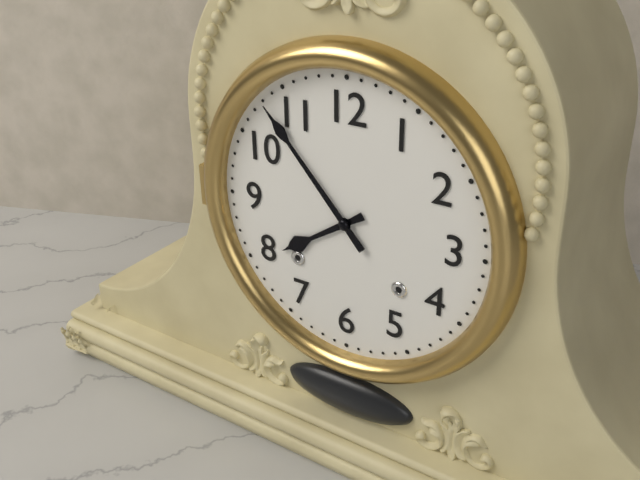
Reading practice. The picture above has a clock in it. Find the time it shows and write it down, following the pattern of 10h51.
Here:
7h53
